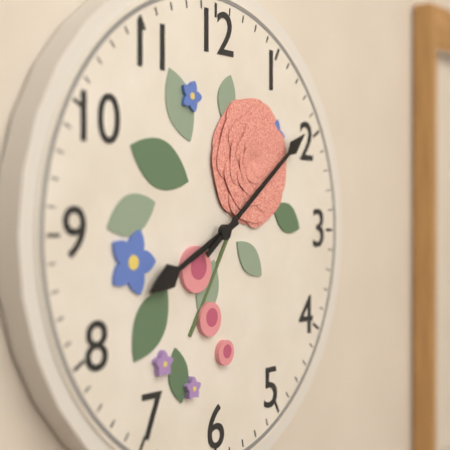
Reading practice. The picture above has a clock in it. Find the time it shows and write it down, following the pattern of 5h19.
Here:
8h09
